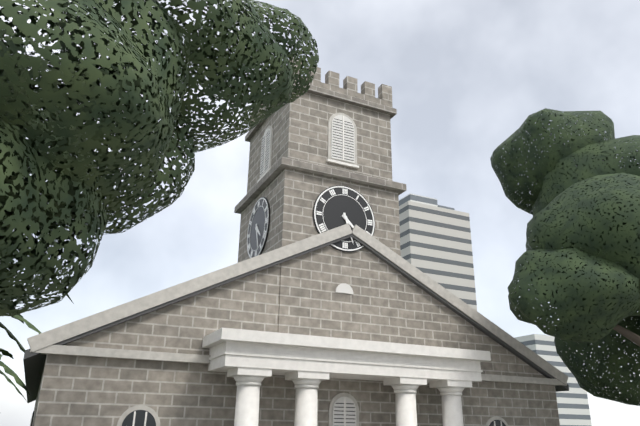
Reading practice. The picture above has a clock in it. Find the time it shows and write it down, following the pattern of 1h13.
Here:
4h27
